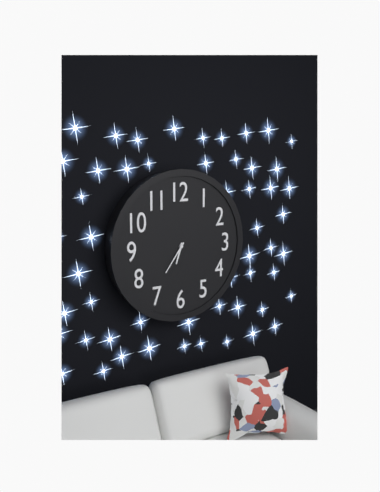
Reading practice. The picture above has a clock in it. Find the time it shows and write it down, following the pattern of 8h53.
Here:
6h36
